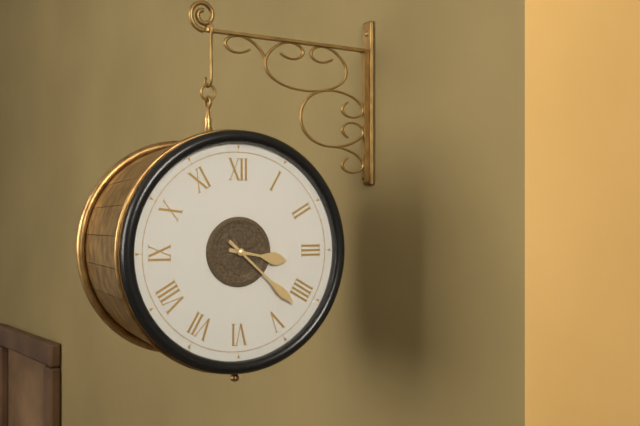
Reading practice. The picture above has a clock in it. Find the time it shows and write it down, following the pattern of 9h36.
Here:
3h22
